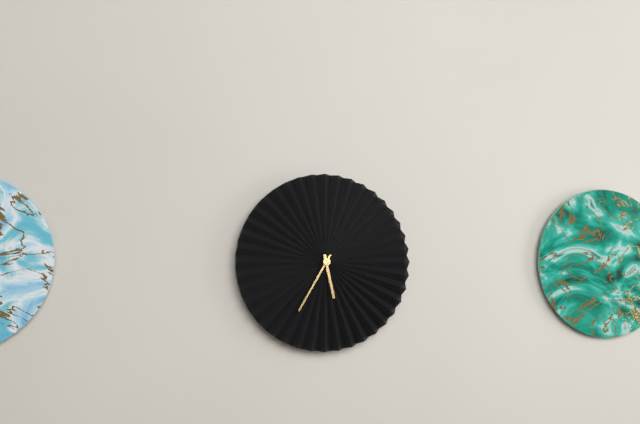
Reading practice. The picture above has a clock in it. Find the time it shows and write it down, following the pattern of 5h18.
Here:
5h35
